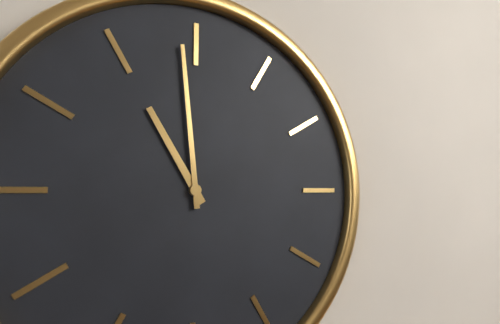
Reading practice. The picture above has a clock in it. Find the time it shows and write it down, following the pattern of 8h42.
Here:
10h59
